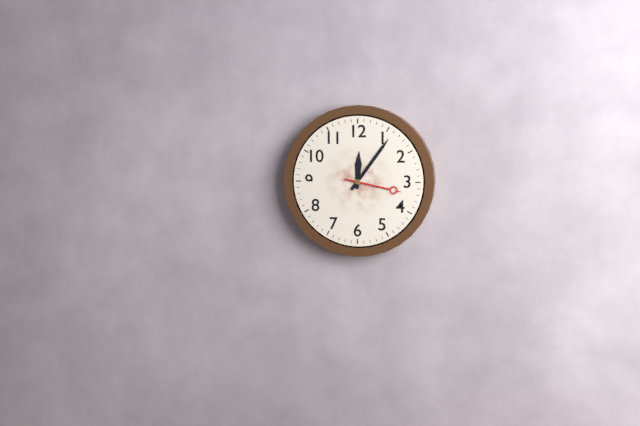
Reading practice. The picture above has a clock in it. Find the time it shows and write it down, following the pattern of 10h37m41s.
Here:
12h06m17s
